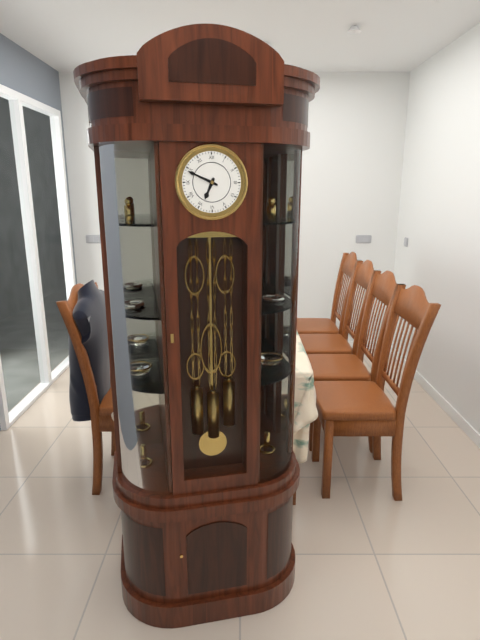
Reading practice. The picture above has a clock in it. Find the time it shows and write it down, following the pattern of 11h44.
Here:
6h49
